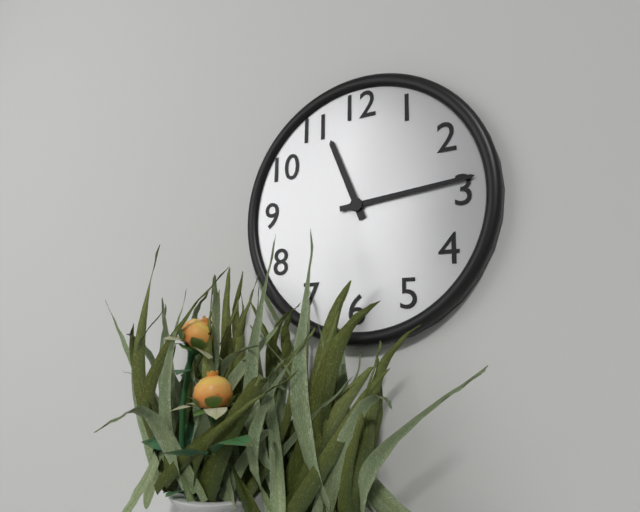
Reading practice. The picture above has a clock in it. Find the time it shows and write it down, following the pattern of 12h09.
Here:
11h14
